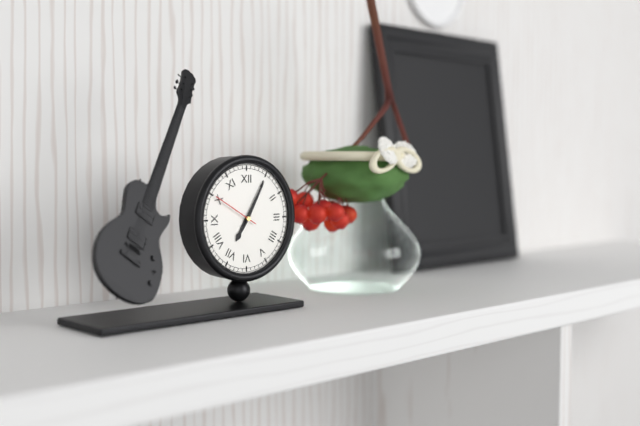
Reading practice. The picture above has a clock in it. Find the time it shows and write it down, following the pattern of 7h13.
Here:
7h05
